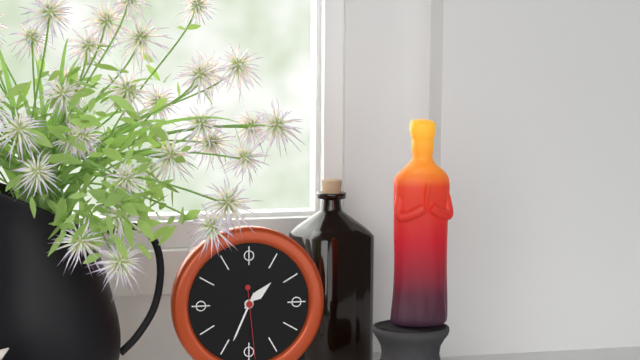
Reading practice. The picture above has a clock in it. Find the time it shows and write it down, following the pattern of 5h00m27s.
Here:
1h34m29s
